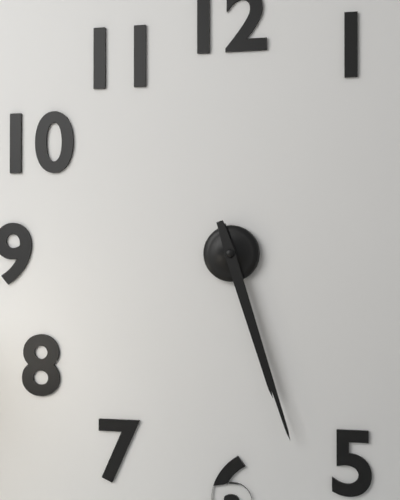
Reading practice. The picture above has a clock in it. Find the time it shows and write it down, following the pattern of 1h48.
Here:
5h27
